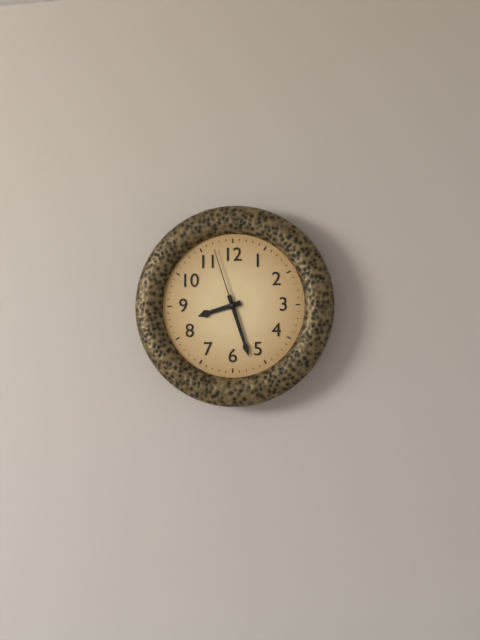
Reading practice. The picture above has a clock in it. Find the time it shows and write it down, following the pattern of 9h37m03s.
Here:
8h27m57s
